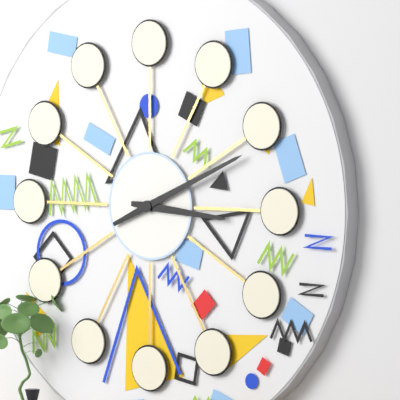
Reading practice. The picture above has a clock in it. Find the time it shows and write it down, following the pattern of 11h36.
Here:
3h11
